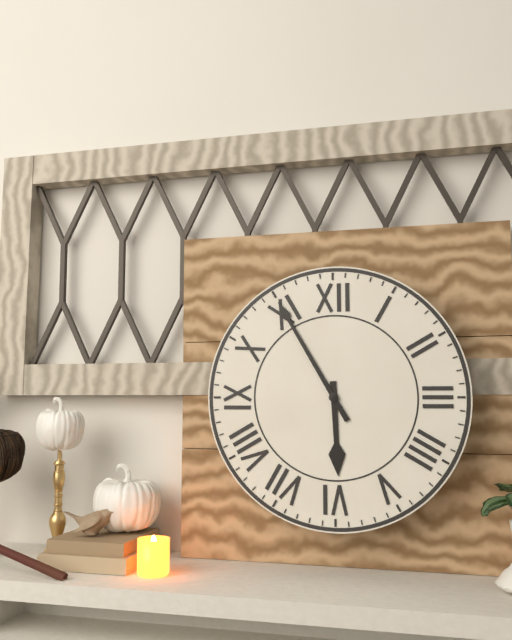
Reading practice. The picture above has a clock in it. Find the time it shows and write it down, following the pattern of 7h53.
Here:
5h55
